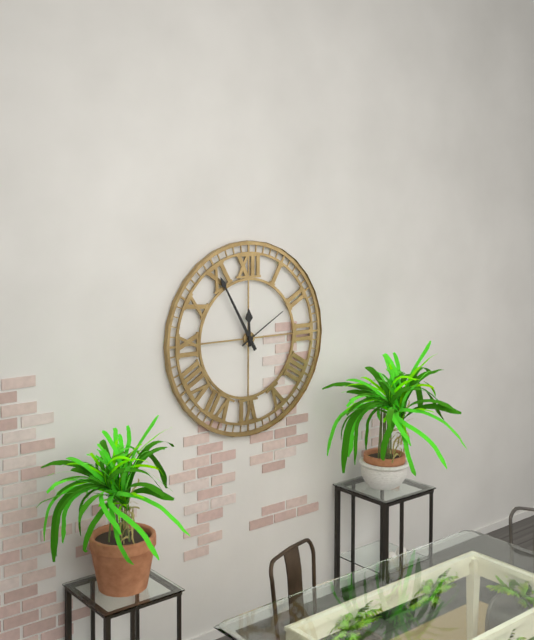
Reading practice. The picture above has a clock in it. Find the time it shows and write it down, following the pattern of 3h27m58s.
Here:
11h55m10s
